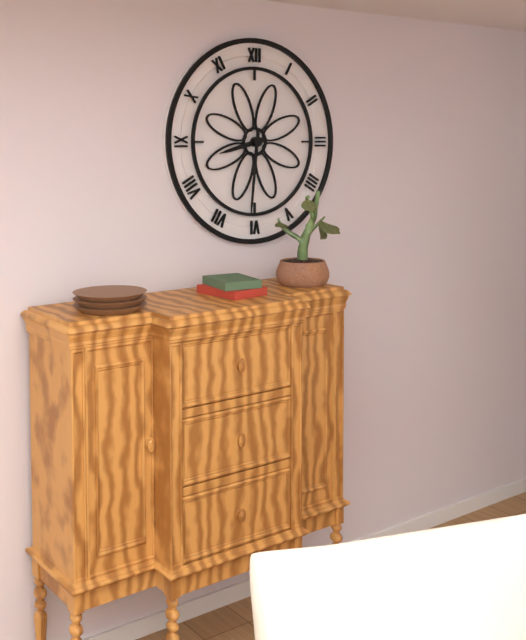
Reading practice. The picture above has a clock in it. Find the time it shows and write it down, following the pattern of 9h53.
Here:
8h31
